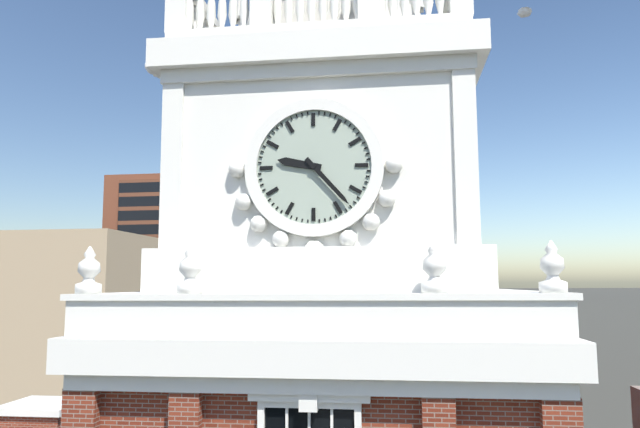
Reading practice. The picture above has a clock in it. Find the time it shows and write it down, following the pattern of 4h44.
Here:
9h23
